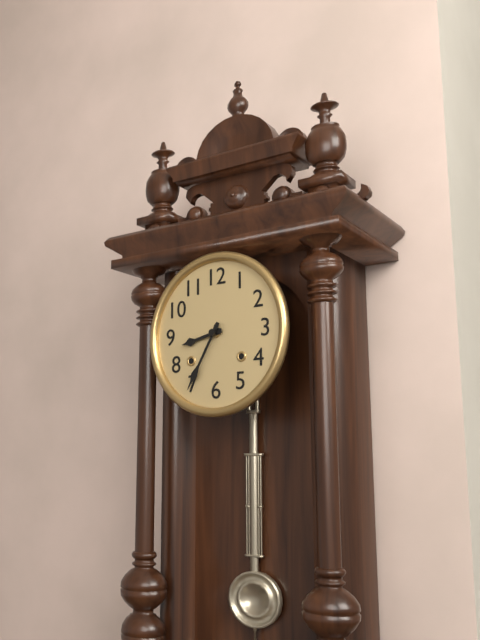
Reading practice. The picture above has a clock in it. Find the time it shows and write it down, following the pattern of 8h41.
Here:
8h35
